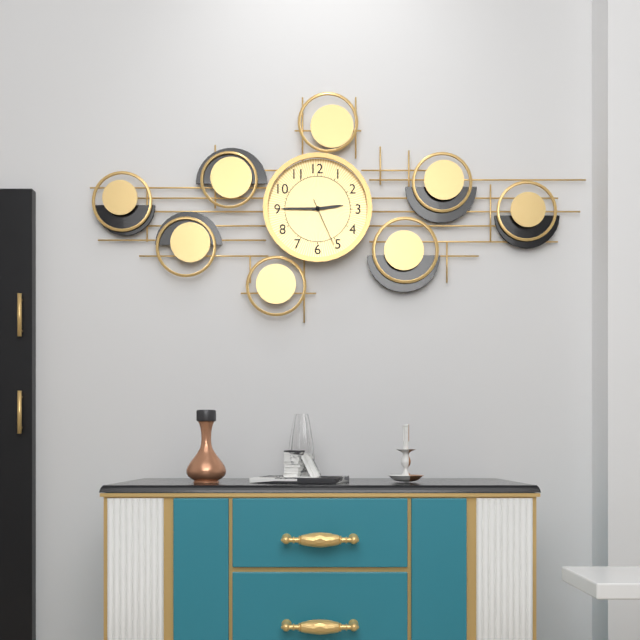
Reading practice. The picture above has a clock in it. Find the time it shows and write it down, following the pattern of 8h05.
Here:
2h45
